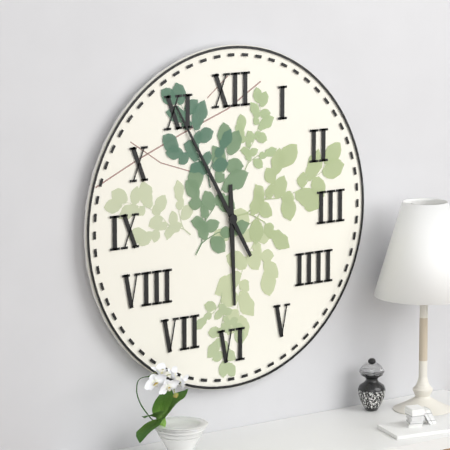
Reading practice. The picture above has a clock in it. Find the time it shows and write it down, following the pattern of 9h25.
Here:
5h55
